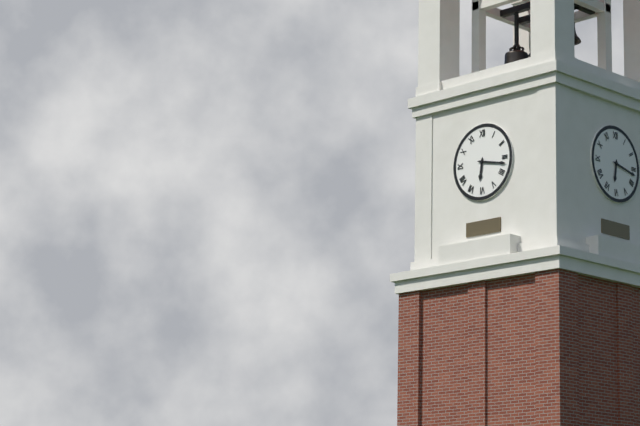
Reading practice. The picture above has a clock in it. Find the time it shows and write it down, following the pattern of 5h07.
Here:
6h17
